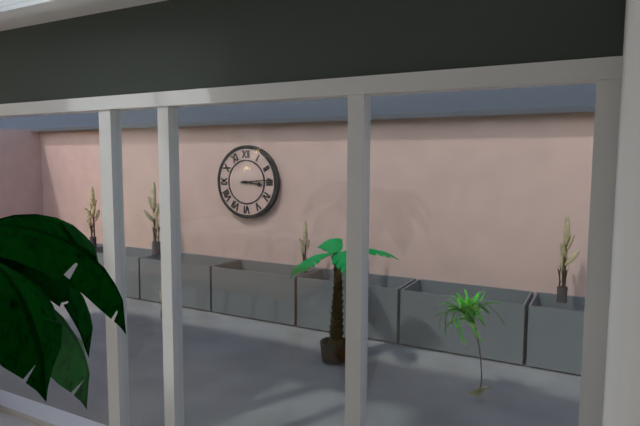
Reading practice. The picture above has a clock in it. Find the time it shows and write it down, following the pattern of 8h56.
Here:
3h14
